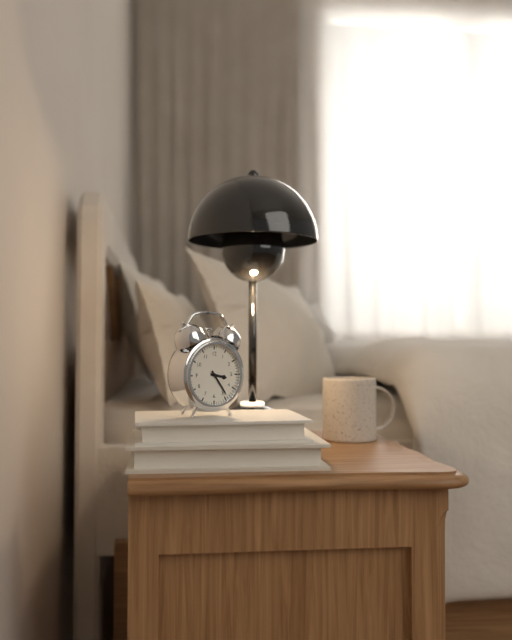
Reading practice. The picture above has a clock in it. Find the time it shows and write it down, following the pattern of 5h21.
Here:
3h24
